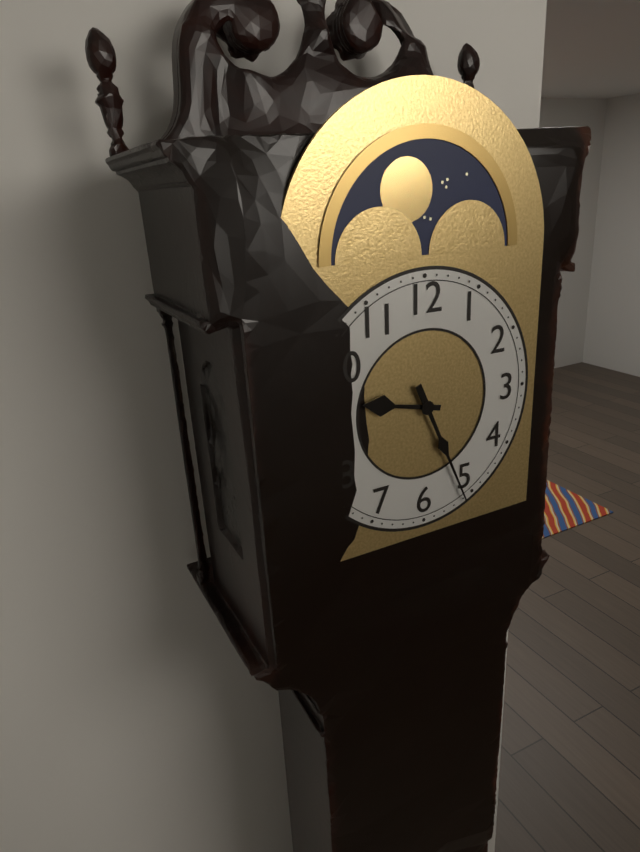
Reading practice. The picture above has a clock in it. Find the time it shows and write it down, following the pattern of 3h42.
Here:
9h26
